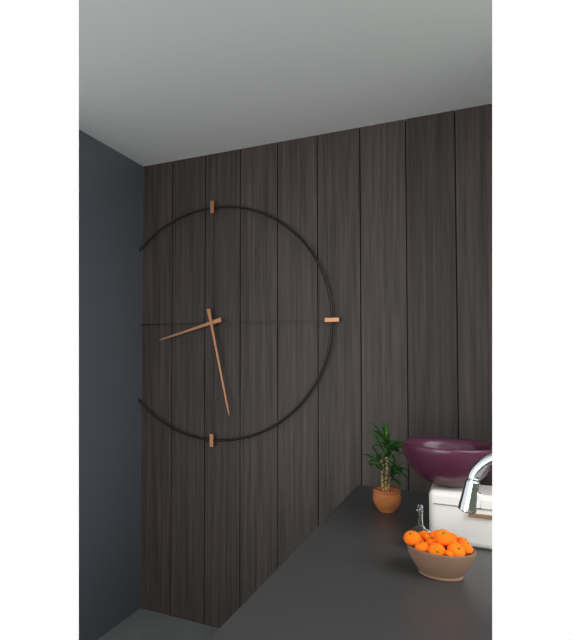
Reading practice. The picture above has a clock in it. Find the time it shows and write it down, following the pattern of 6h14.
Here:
8h28
